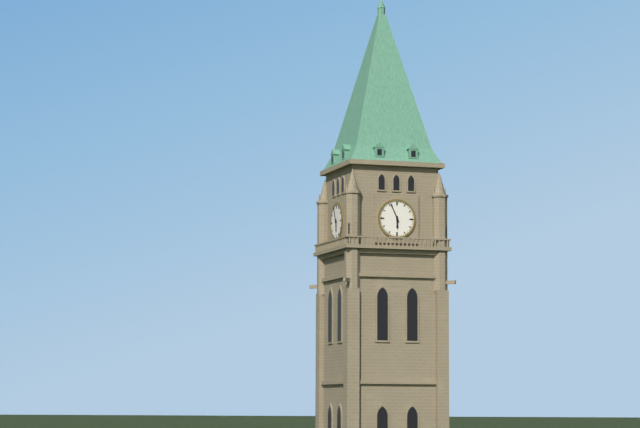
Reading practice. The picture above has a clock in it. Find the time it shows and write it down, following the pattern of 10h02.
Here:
5h56
